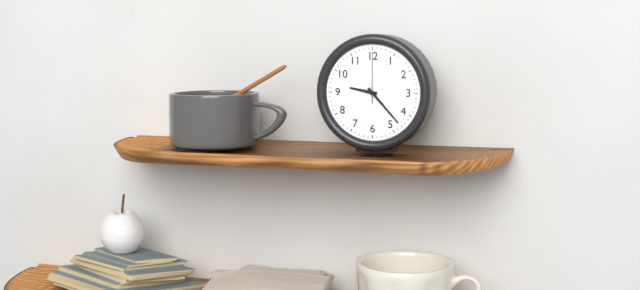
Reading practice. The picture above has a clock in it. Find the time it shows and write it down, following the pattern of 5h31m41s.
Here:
9h23m00s
